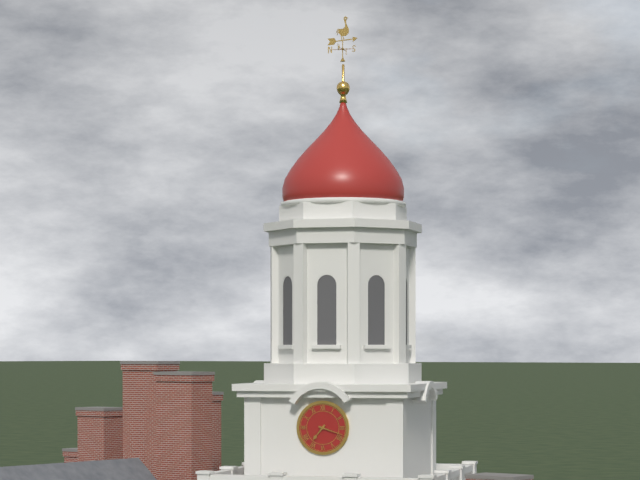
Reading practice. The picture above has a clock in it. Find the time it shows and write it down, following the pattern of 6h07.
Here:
7h18
